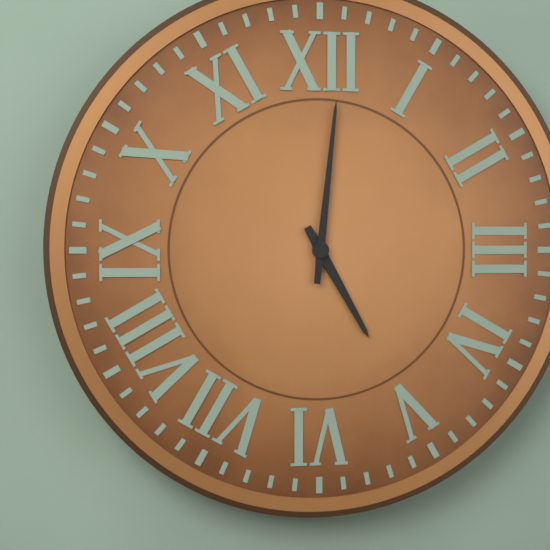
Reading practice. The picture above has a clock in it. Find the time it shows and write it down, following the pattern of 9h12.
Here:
5h01
